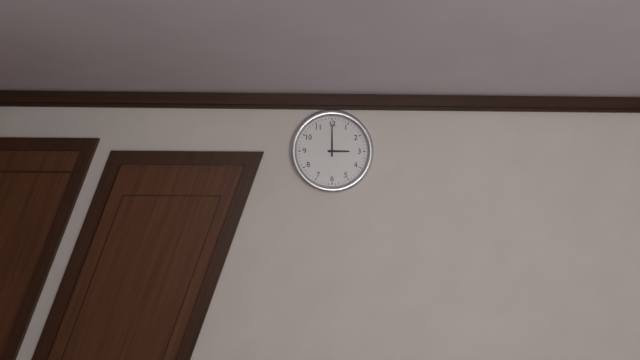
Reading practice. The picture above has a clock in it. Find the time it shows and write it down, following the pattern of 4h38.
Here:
3h00
